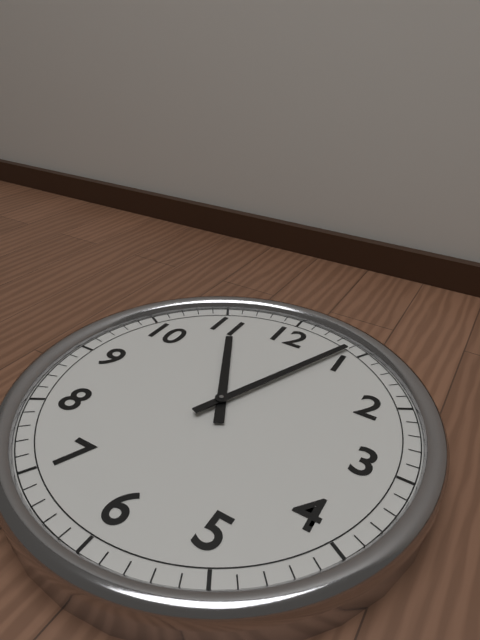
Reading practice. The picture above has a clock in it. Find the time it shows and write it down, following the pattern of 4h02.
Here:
11h04
